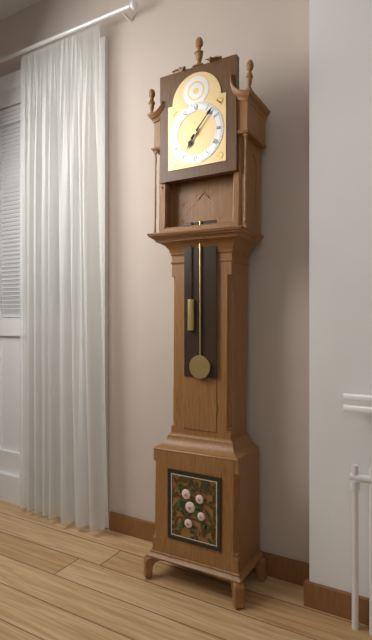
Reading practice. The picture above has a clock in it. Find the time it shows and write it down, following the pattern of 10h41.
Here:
7h07
